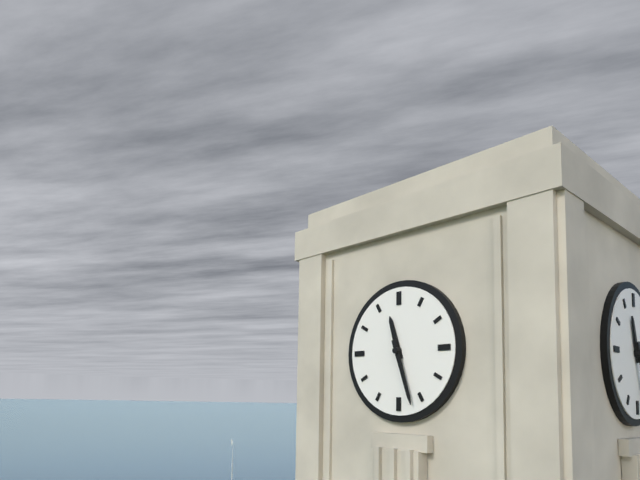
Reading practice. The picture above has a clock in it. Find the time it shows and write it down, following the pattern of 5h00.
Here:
11h27
